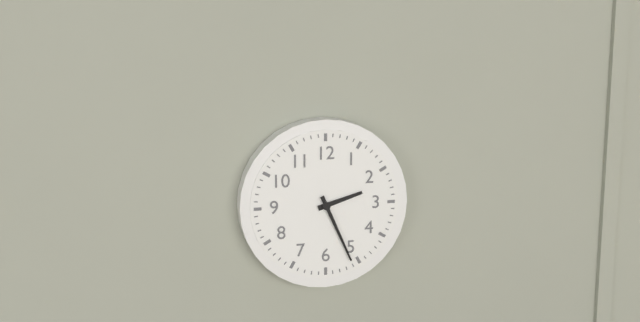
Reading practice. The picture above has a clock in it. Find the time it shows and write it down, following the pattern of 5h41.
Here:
2h26
